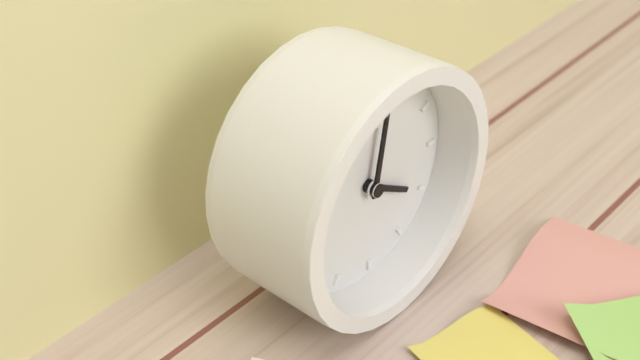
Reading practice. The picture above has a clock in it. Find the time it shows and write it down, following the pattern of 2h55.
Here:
4h02
